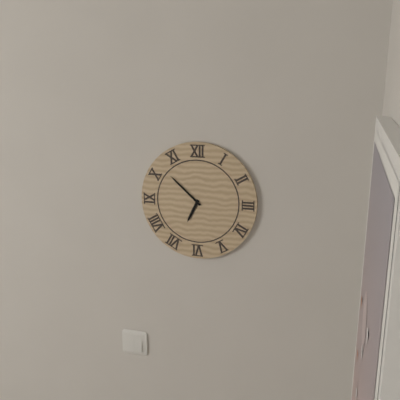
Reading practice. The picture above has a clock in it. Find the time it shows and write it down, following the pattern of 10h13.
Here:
6h52
